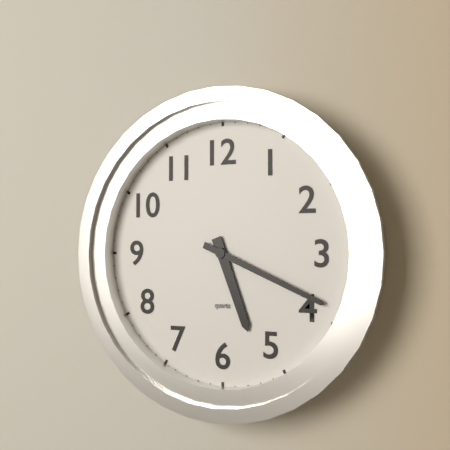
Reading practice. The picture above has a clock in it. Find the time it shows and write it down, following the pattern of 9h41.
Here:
5h19
